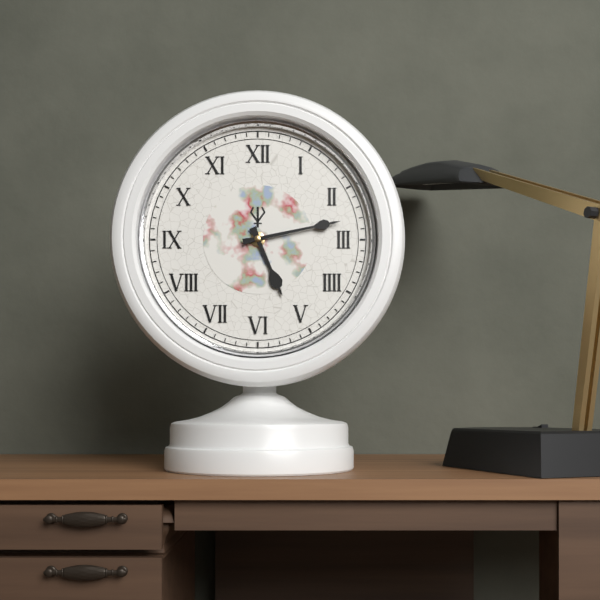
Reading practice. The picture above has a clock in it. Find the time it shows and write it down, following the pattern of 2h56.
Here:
5h13
